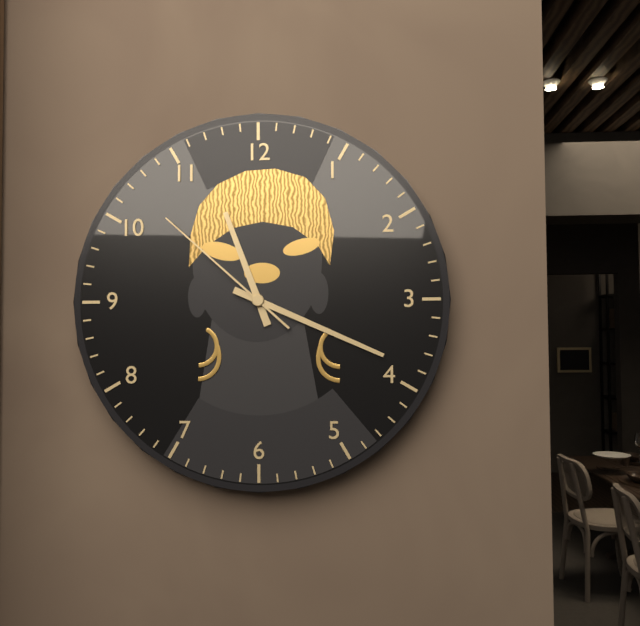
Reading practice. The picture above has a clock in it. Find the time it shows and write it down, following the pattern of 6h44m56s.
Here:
11h19m52s
